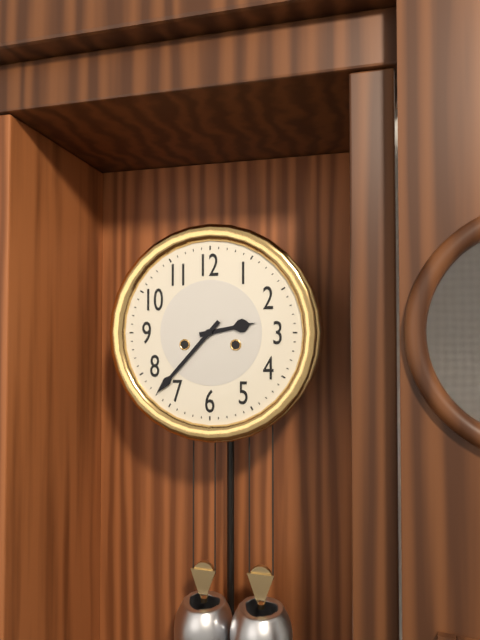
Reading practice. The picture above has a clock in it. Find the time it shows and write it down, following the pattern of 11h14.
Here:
2h37
